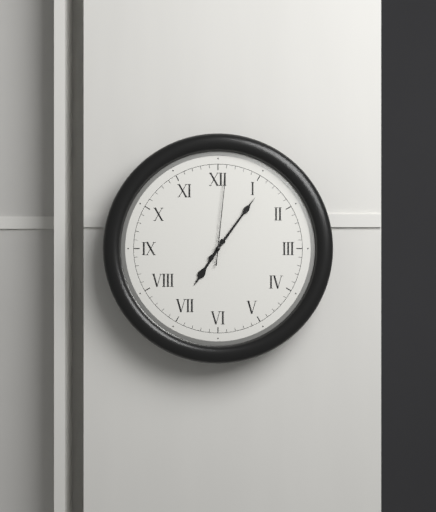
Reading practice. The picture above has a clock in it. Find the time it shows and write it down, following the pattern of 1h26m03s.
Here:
7h06m01s
